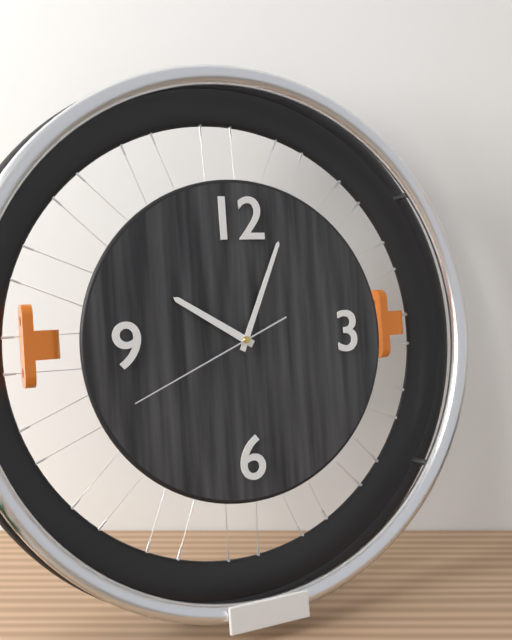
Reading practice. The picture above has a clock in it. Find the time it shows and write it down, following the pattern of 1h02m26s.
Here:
10h04m41s
